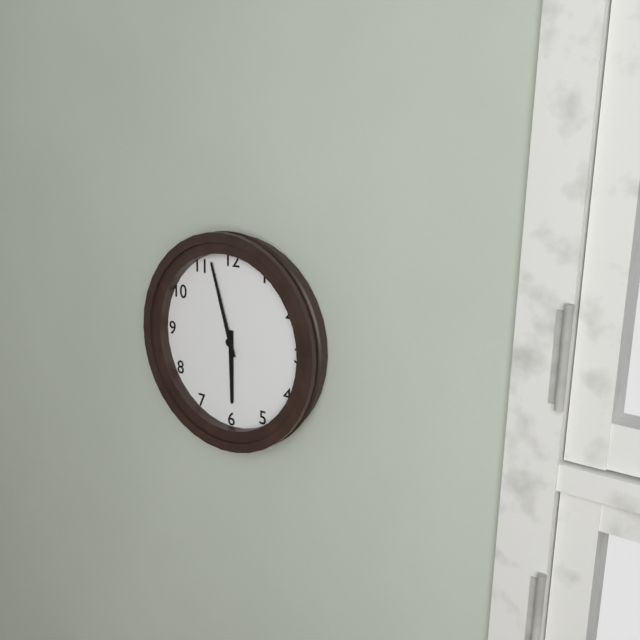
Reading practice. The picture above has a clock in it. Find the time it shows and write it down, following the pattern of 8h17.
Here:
5h57
